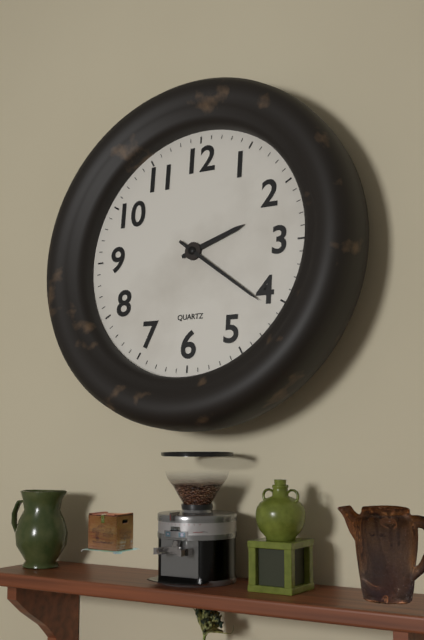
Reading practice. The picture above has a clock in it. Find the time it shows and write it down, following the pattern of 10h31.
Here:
2h21
